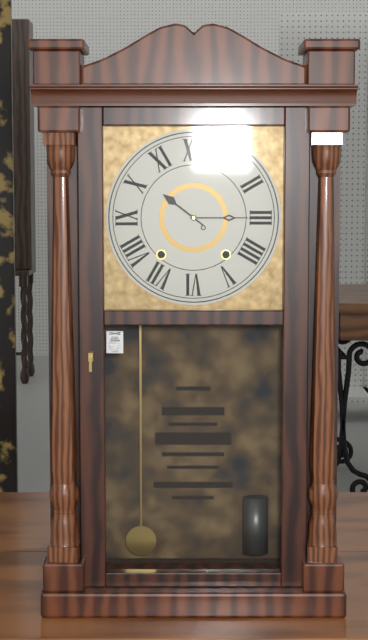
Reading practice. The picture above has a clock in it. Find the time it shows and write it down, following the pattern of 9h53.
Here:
10h15
